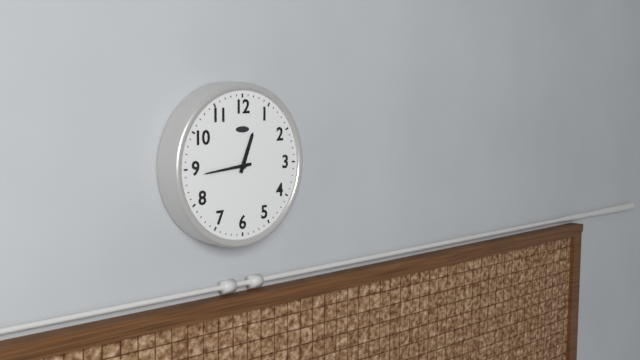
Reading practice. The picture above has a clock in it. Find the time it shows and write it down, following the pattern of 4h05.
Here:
12h44
